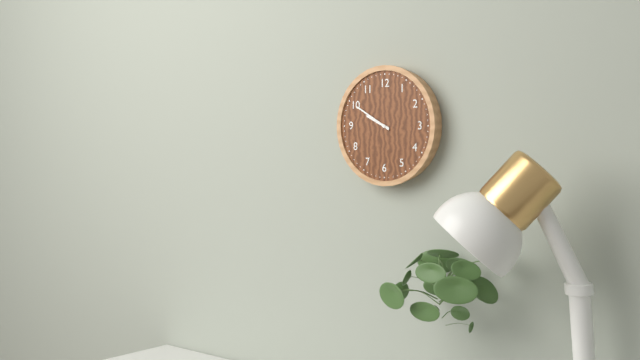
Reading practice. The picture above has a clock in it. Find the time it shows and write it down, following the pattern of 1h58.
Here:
9h50
